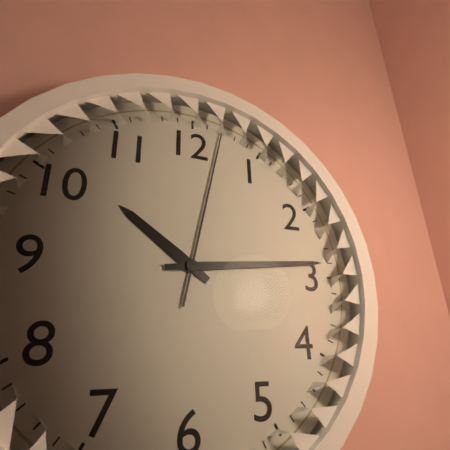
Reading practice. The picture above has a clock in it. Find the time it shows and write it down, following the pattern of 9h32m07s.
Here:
10h14m02s
